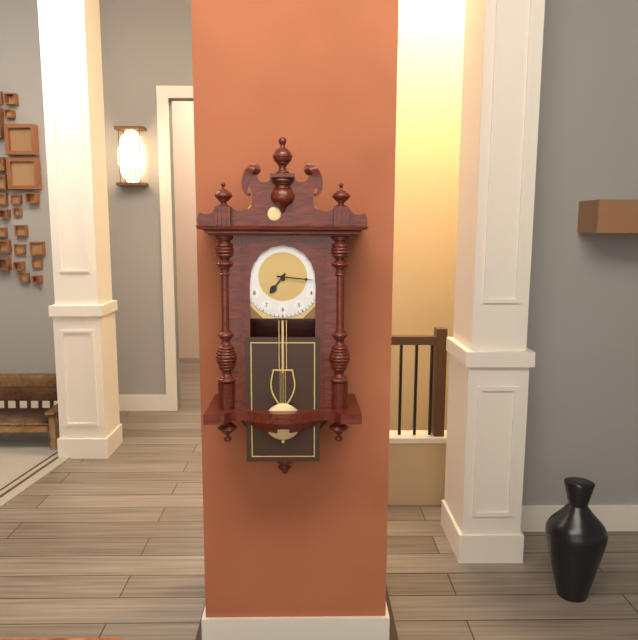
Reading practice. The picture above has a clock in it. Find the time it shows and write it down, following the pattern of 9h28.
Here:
7h16
